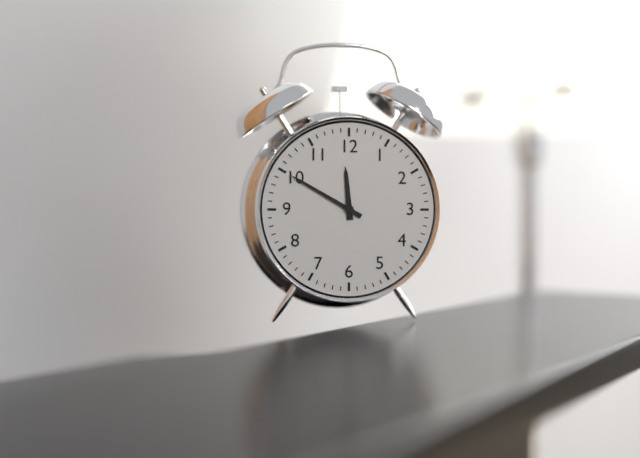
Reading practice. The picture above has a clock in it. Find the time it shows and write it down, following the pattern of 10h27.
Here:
11h50
